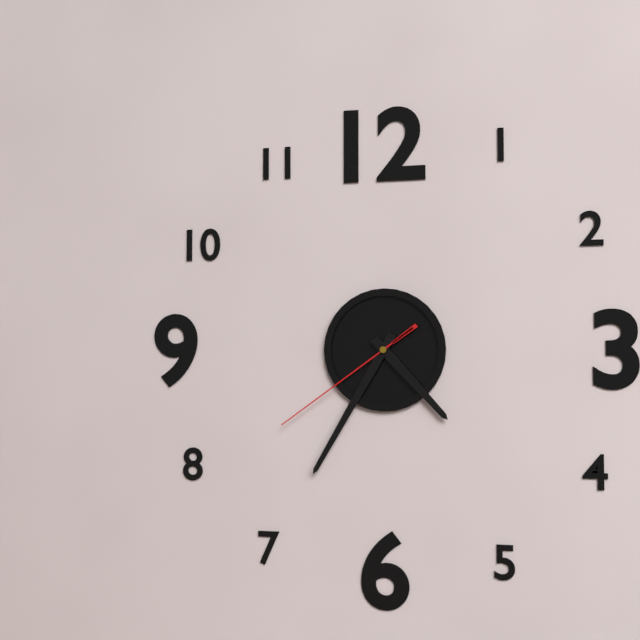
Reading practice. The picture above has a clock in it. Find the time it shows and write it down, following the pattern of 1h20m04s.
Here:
4h35m39s
